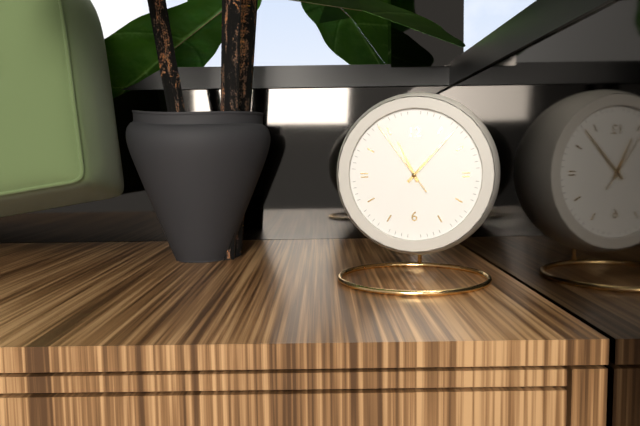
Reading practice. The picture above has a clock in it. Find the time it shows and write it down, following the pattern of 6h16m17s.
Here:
11h07m54s
